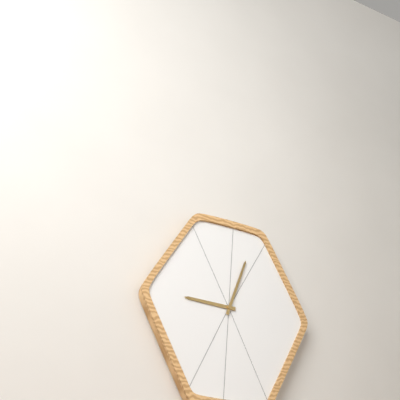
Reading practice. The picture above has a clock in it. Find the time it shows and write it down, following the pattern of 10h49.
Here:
9h03
